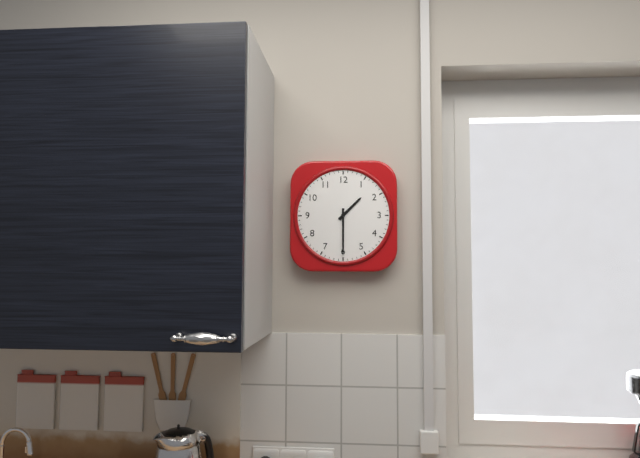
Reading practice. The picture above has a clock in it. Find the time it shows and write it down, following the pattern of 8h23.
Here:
1h30
